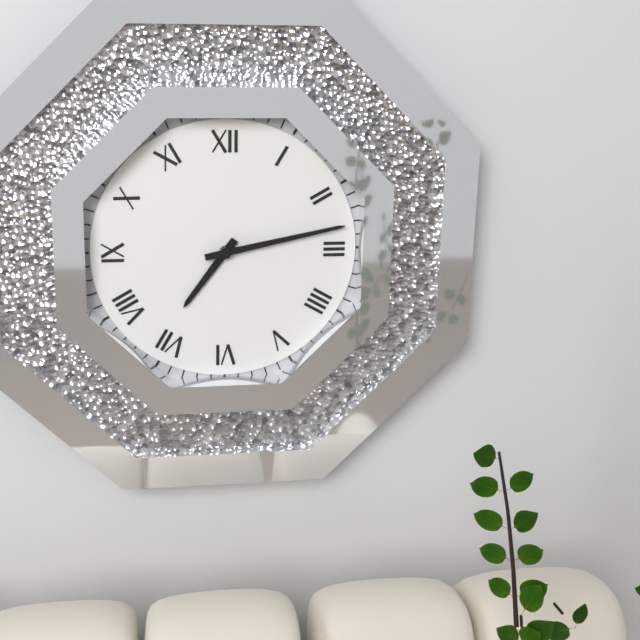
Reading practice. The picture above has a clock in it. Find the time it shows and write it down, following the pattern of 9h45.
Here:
7h13
